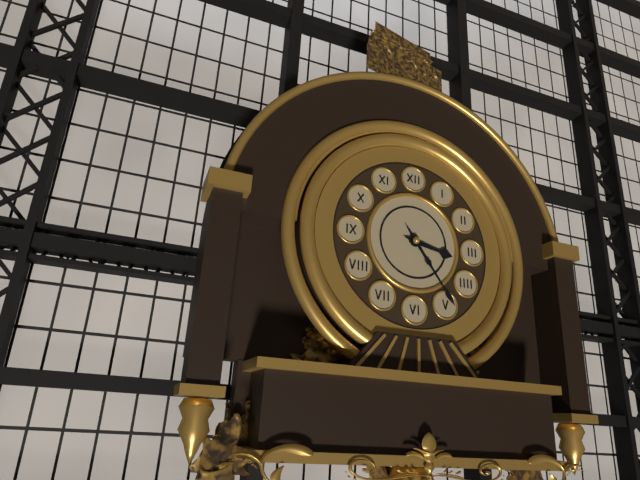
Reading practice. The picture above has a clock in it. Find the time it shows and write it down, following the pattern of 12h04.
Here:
3h24
